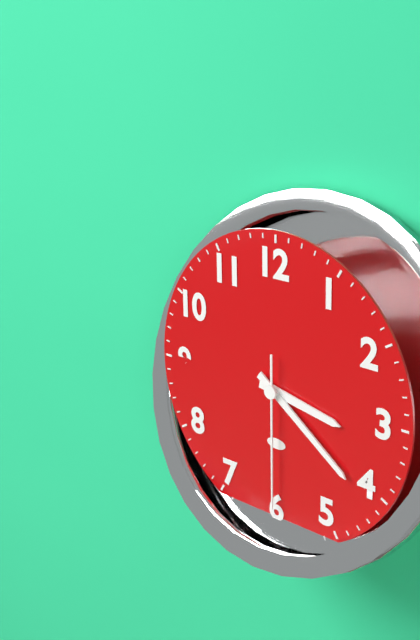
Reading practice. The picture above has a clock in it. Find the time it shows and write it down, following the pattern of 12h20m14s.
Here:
3h21m30s
